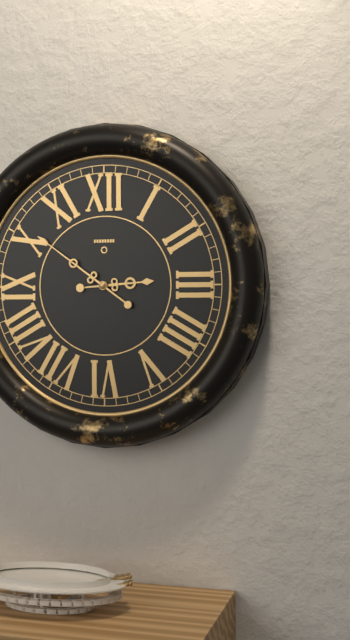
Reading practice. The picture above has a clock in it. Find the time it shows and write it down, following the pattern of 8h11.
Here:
2h51
